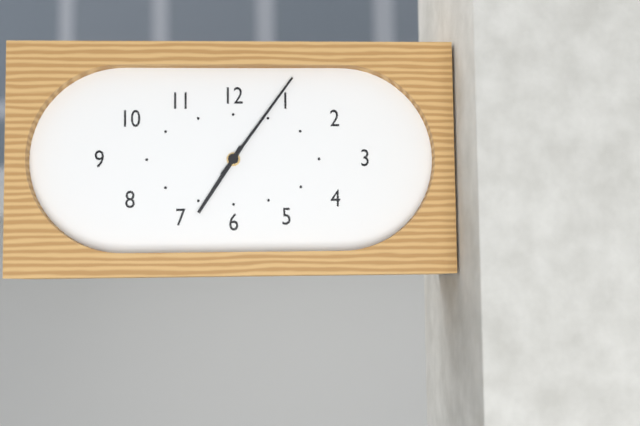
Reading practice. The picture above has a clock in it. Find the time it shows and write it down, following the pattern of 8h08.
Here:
7h06
